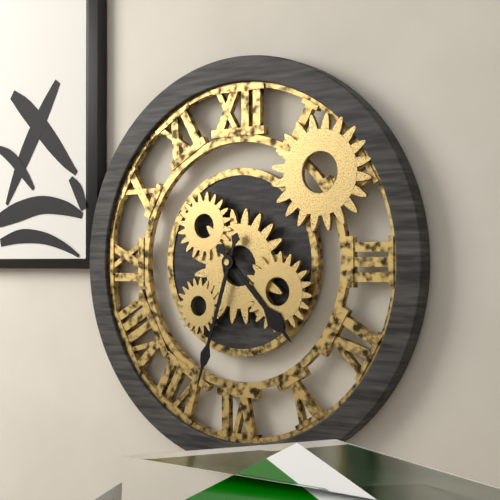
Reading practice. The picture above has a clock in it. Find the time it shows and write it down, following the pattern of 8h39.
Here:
4h33
